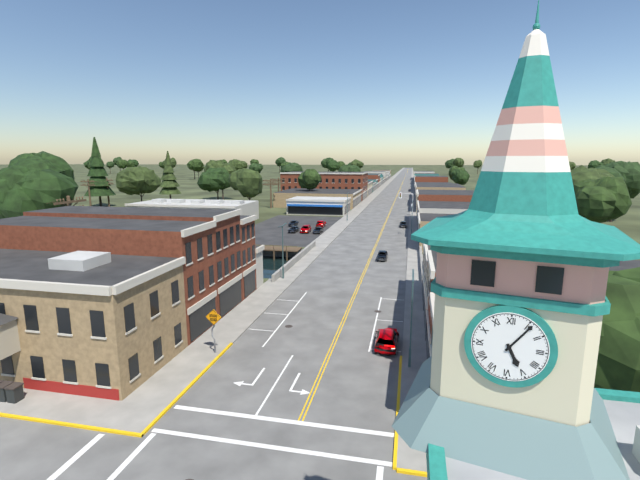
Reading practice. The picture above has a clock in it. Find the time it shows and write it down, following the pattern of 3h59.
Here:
5h06
